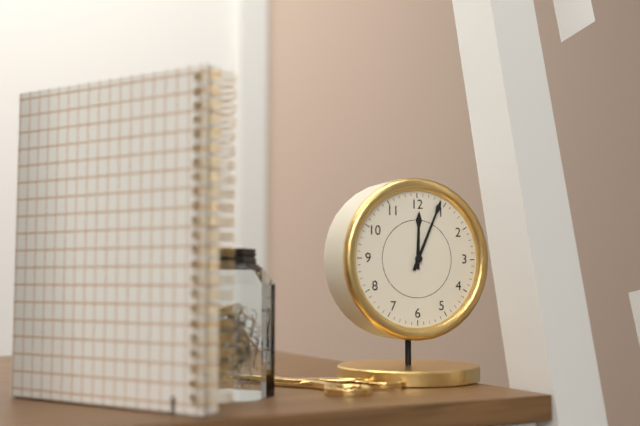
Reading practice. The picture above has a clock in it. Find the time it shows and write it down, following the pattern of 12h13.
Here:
12h04
